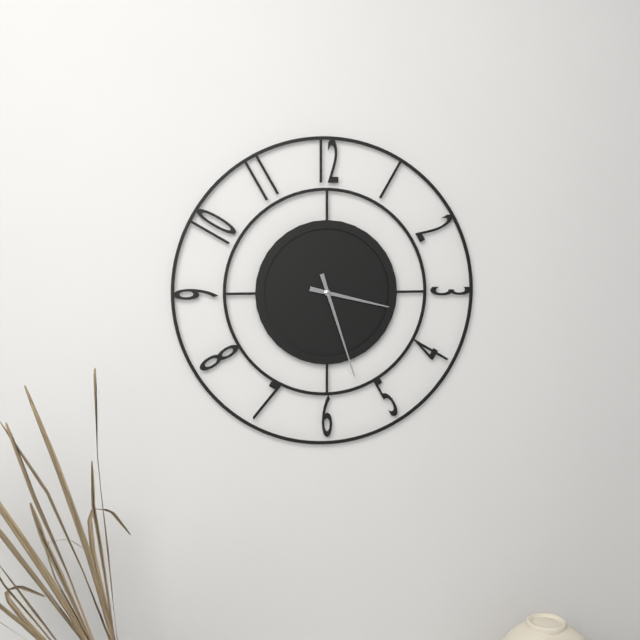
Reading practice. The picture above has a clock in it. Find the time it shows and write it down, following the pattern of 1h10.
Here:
3h27
